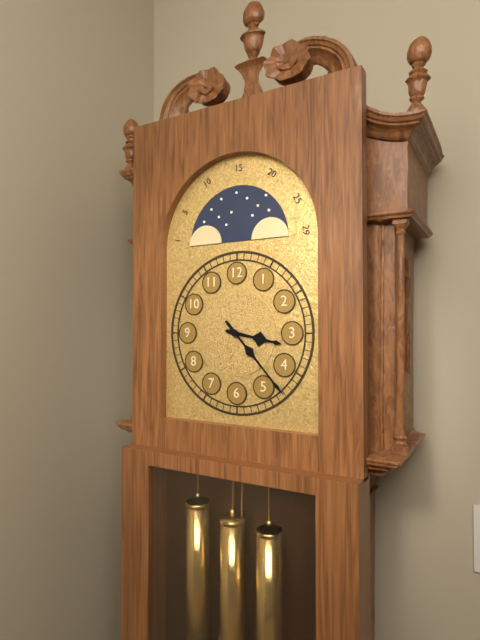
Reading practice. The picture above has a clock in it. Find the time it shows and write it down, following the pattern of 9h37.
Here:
3h23
